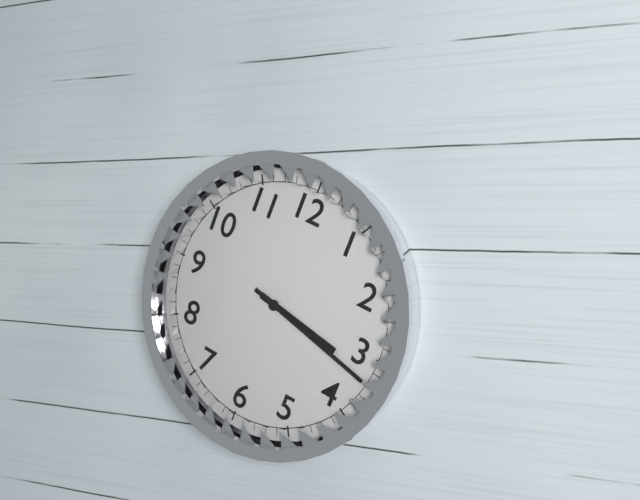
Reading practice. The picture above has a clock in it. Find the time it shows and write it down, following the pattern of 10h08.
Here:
3h17
